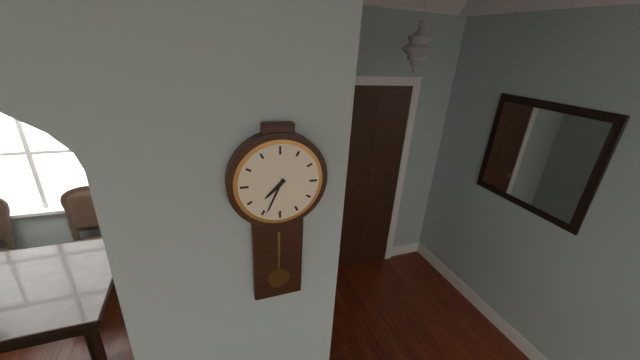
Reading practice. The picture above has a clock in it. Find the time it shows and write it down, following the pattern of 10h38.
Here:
7h34
